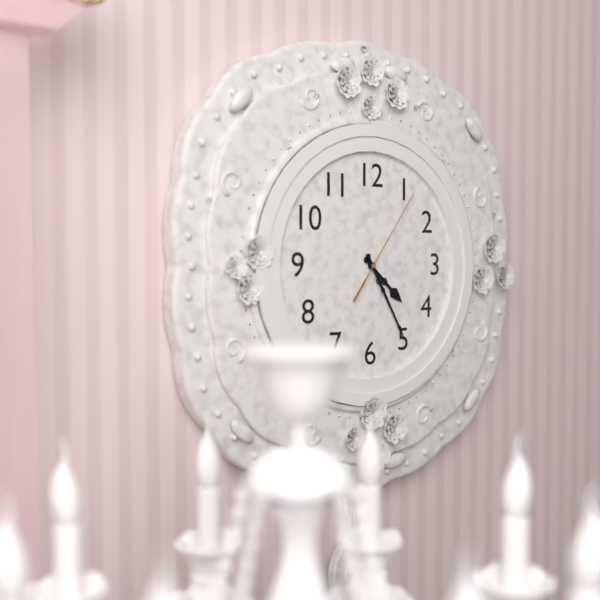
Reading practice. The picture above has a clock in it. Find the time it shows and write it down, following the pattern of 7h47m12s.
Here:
4h25m06s
